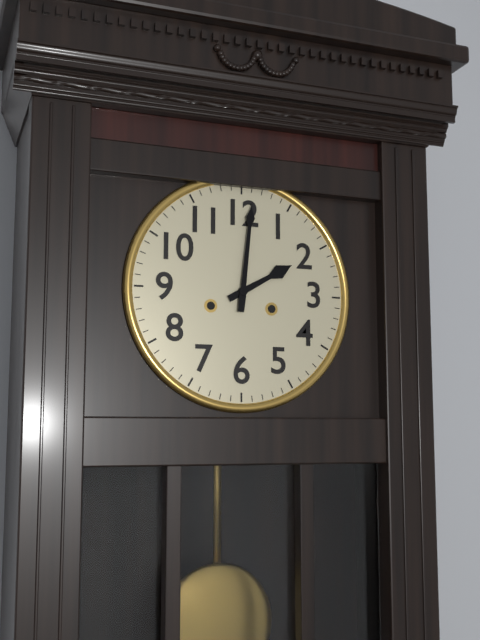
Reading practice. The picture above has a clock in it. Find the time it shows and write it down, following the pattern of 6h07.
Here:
2h01
